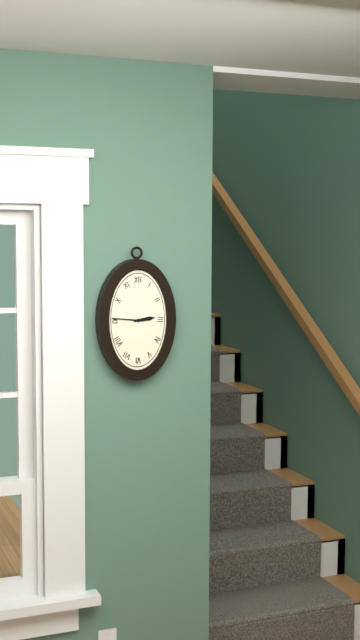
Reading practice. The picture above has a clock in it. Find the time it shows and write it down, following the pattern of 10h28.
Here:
2h46
